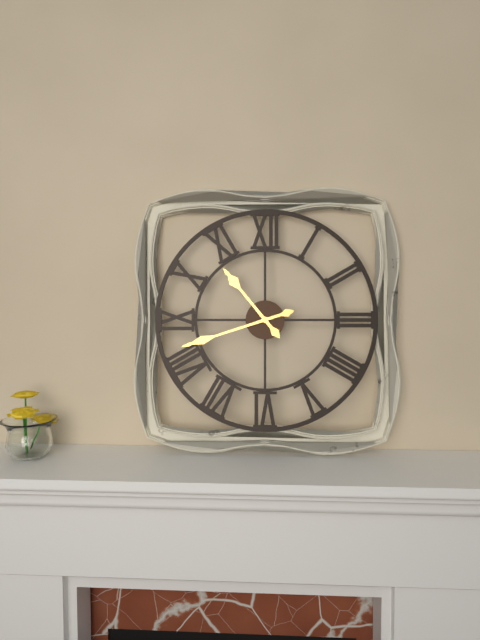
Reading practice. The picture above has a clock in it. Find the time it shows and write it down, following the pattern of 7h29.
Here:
10h42
